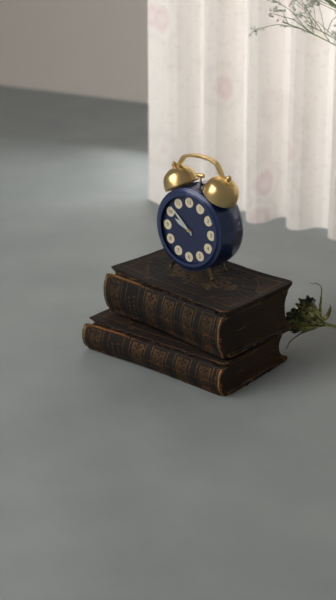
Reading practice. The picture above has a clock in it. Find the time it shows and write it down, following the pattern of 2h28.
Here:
9h52
